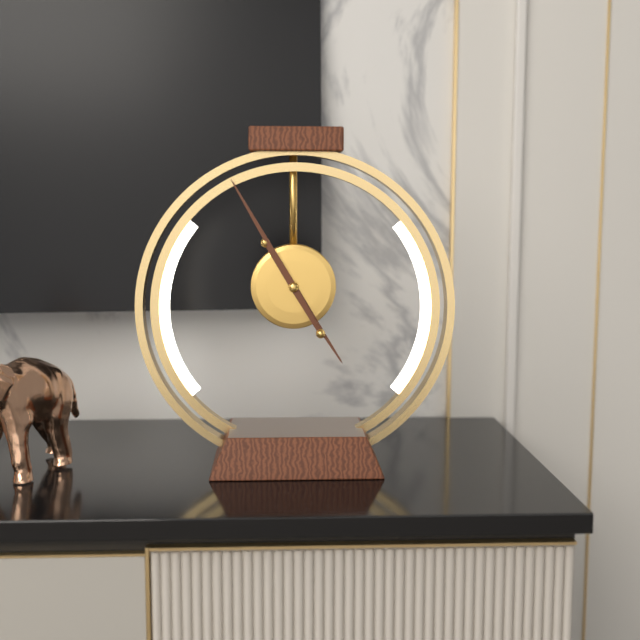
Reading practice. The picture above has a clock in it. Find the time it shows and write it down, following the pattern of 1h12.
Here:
4h55
